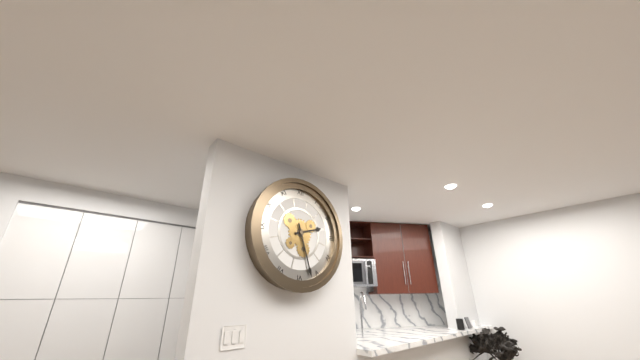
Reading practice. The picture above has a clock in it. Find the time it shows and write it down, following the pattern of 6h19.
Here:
2h27
